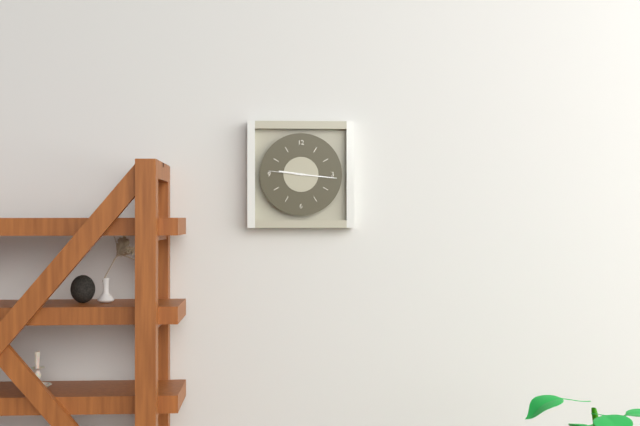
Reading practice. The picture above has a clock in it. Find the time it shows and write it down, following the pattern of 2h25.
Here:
9h16
